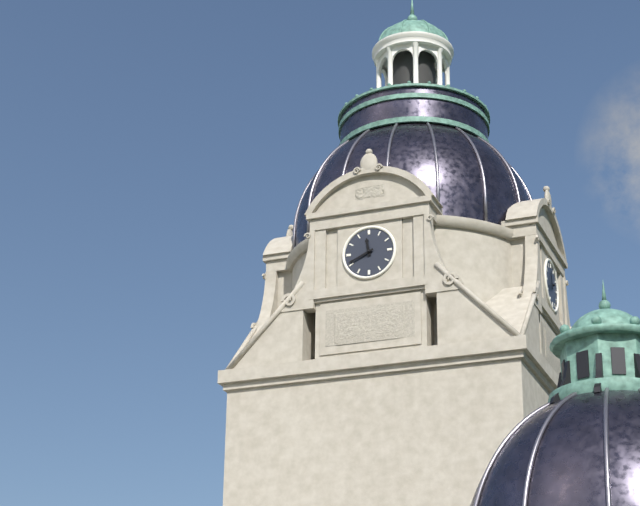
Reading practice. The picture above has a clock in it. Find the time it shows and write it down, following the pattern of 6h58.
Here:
11h41
